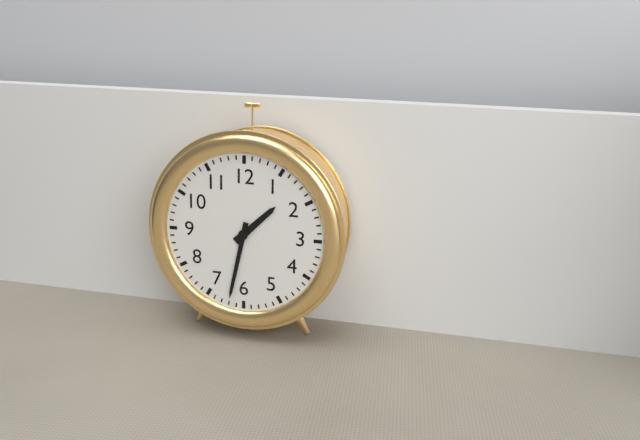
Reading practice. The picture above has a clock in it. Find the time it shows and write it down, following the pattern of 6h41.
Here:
1h32
